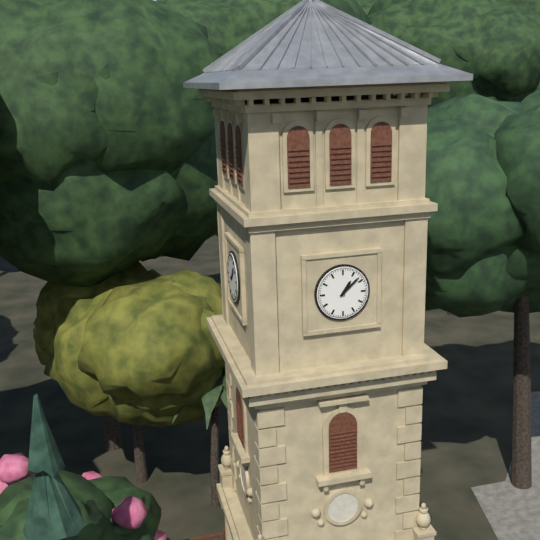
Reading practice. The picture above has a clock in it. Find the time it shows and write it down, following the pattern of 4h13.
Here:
1h08
